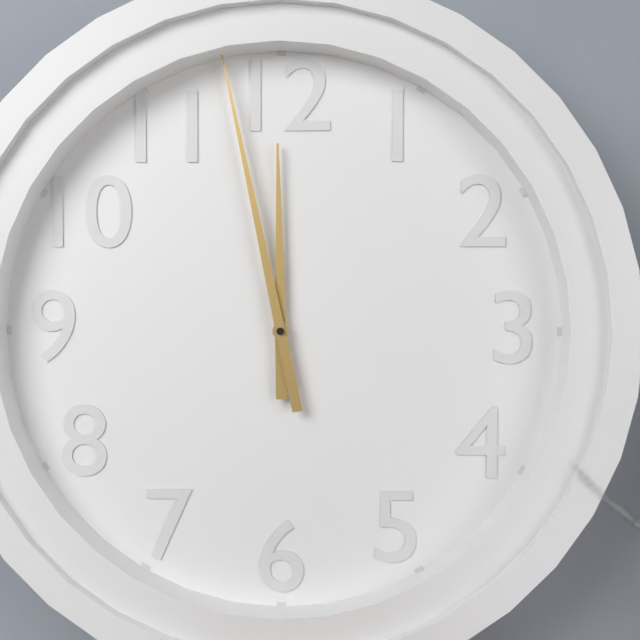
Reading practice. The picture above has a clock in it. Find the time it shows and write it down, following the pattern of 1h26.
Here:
11h58
